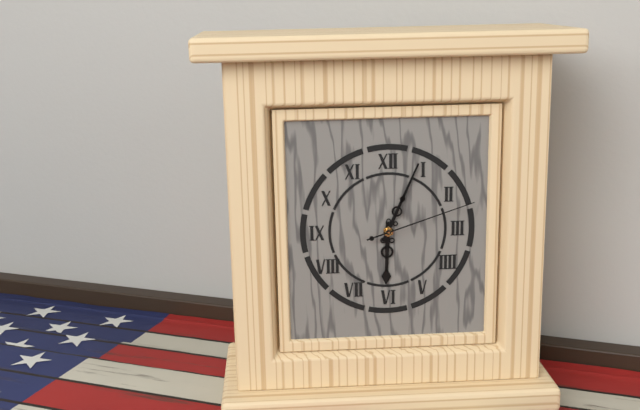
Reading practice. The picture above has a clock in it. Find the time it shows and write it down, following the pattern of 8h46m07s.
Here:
6h04m12s
